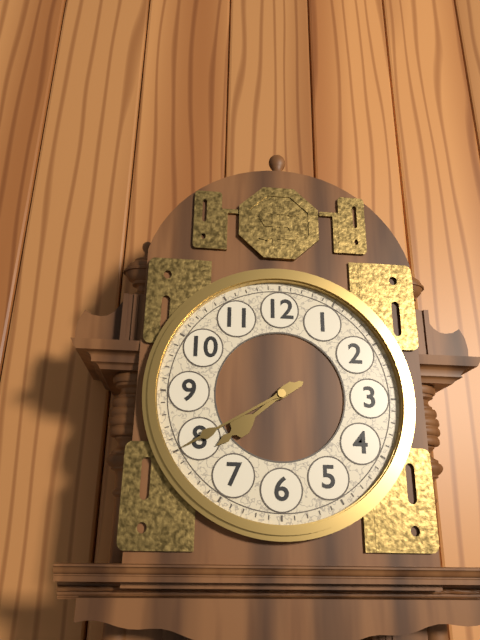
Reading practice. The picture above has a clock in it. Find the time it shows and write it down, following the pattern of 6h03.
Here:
7h40
